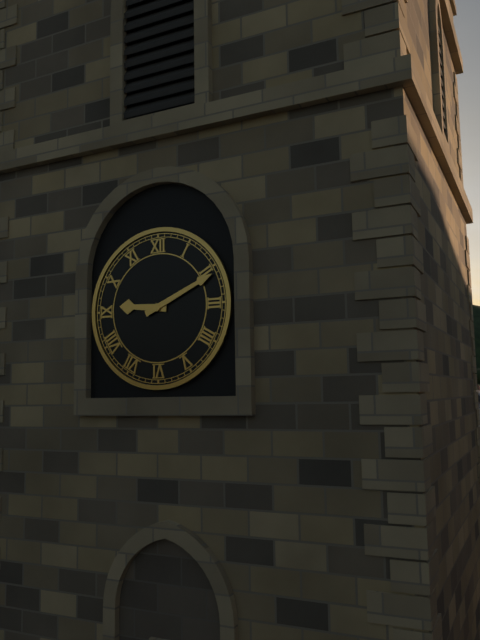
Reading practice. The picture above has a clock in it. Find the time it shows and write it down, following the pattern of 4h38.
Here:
9h11
